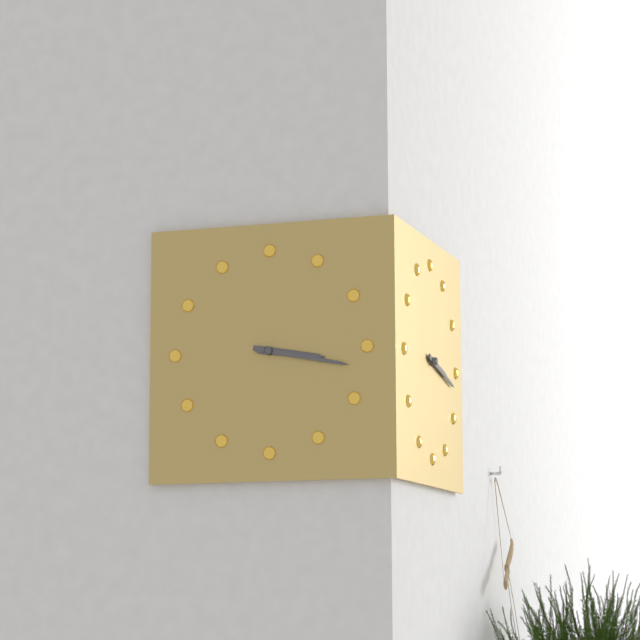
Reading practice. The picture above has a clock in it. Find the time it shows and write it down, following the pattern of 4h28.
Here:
3h17
